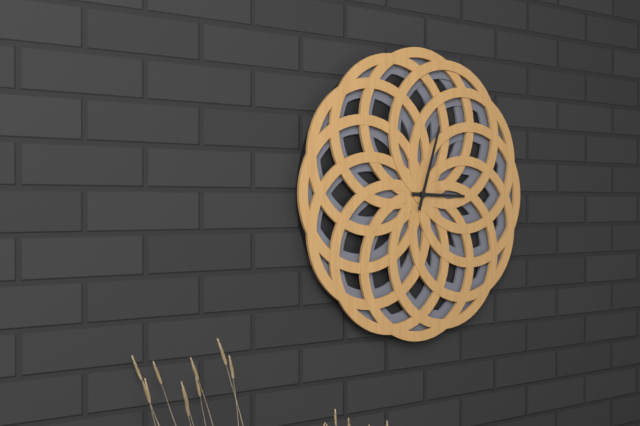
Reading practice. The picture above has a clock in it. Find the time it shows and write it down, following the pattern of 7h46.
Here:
3h03
